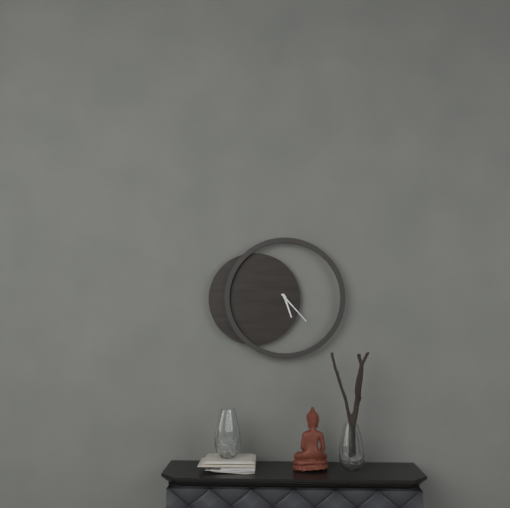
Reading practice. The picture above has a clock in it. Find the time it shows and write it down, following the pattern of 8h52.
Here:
5h23
